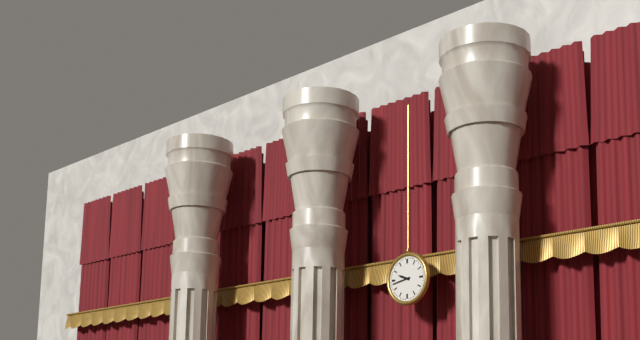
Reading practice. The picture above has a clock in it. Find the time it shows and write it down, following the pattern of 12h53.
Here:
9h43
